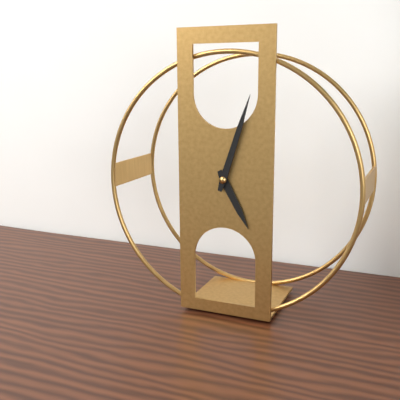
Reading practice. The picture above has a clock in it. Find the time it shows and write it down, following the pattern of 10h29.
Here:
5h03
